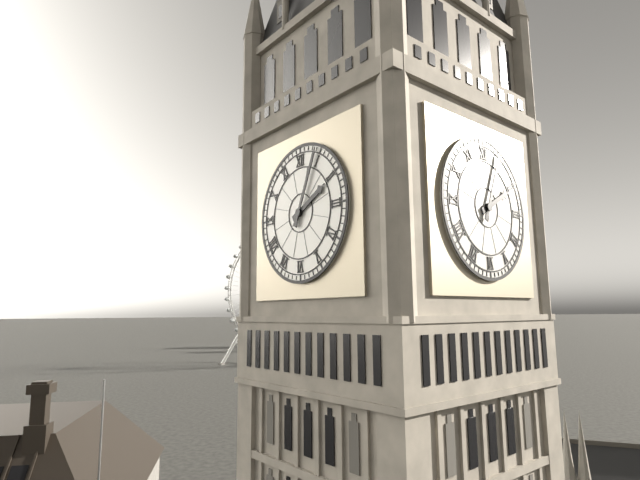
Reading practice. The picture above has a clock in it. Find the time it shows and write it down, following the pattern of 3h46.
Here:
2h04
